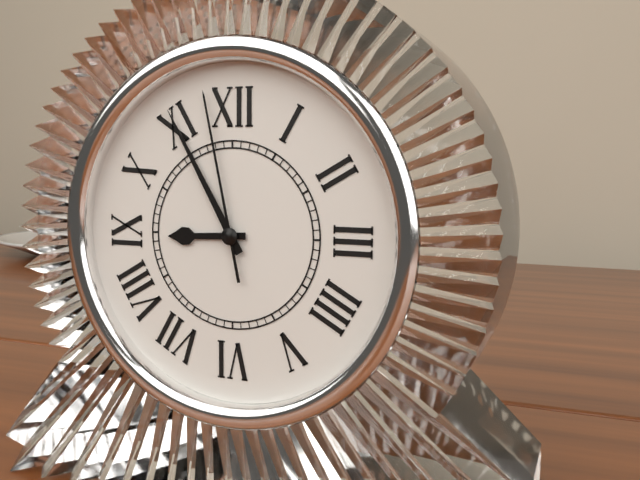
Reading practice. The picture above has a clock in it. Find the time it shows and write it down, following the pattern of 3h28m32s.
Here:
8h55m58s
